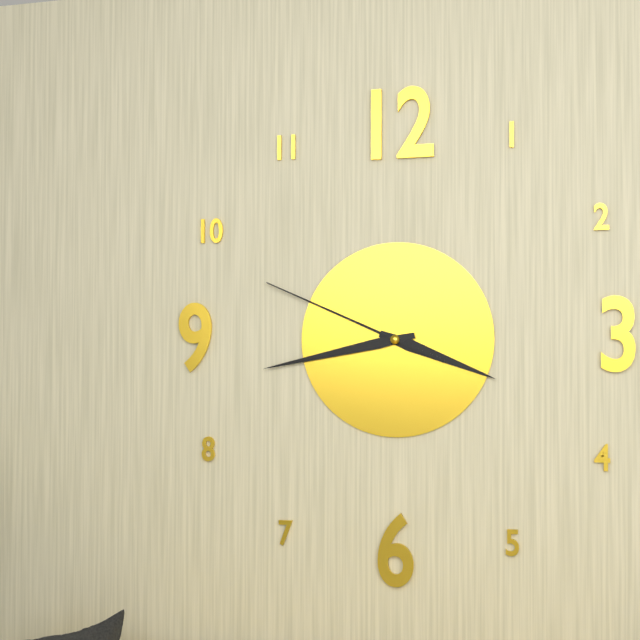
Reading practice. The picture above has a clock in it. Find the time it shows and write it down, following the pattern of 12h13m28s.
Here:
3h43m49s
